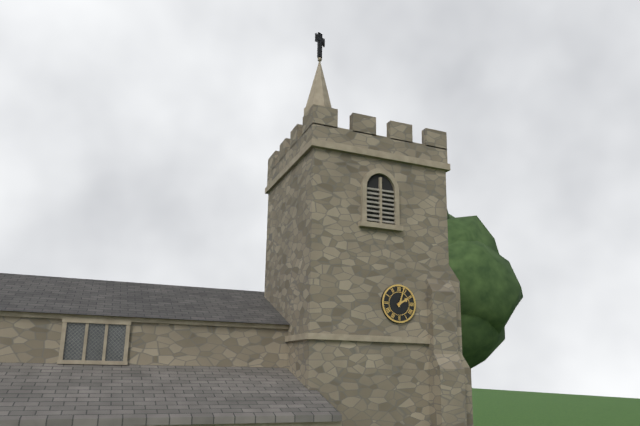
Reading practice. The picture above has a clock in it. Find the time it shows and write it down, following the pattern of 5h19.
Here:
2h03
